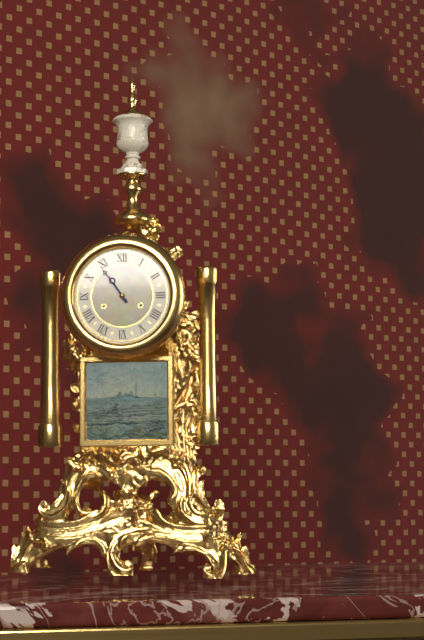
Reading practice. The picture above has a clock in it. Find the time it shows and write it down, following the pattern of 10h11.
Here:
10h54
